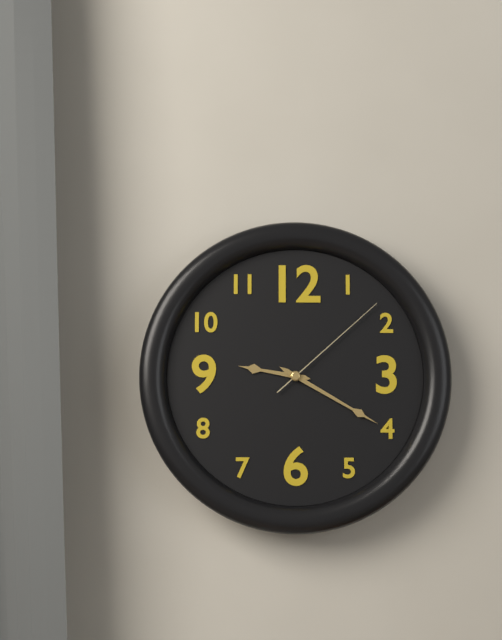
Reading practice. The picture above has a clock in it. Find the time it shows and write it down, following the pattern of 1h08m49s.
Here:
9h20m08s
